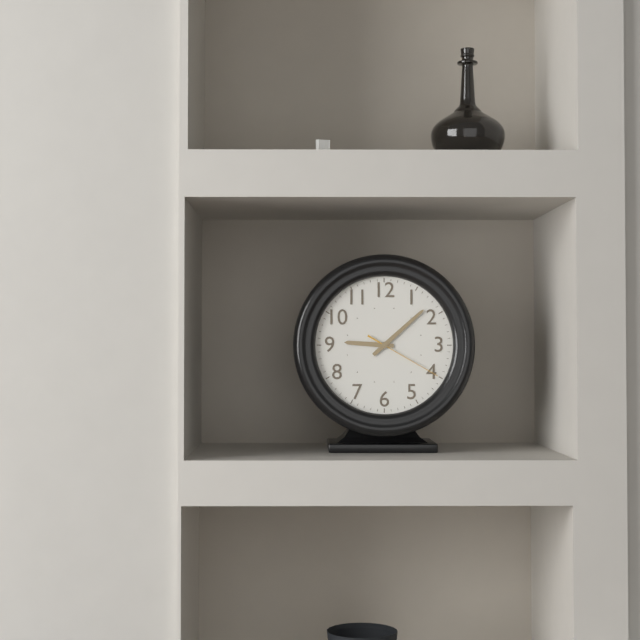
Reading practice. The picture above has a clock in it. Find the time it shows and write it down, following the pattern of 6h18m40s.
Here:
9h08m20s
